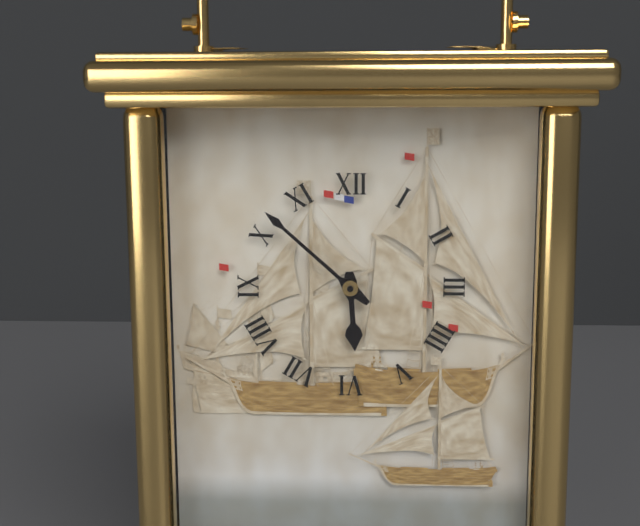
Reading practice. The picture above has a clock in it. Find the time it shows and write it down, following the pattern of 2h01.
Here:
5h52
